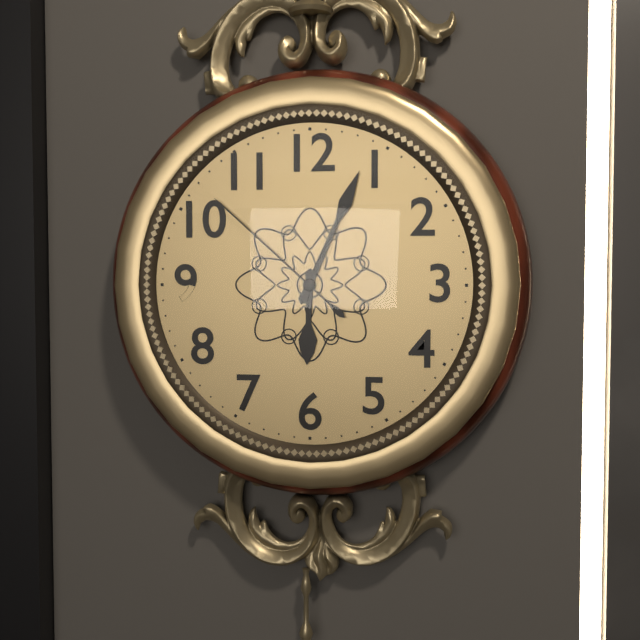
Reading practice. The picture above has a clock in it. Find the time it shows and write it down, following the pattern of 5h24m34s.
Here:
6h04m52s
